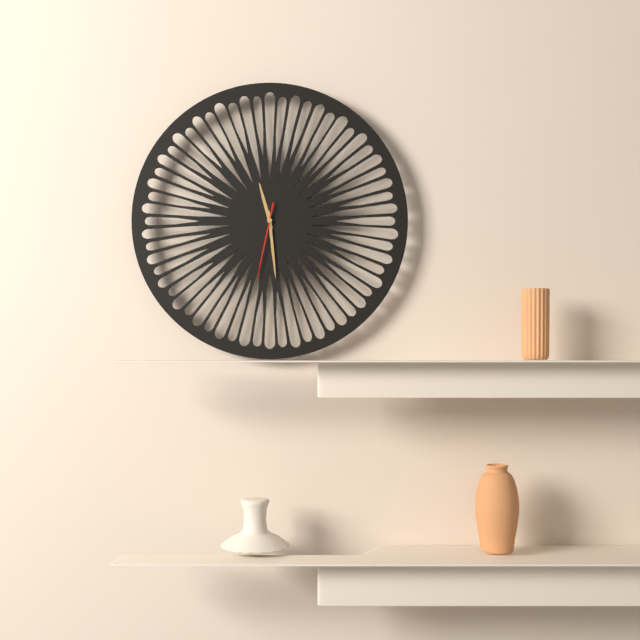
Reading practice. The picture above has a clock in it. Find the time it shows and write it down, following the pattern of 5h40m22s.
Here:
11h29m32s
